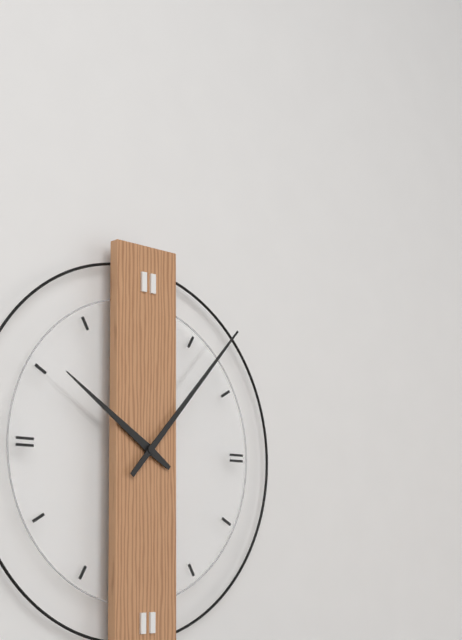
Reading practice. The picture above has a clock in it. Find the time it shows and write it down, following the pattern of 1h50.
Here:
10h07
